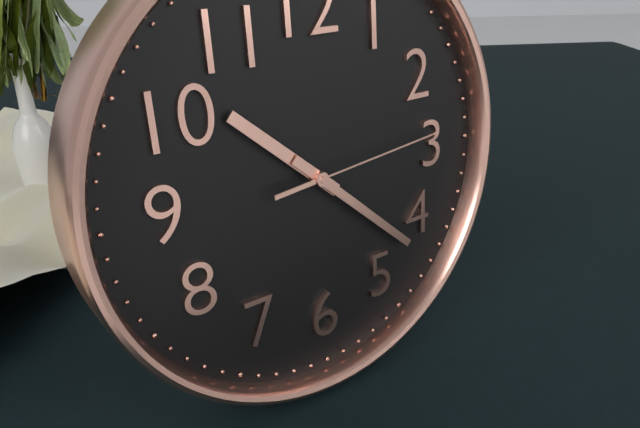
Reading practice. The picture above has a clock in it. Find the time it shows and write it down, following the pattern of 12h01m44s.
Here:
10h22m14s
